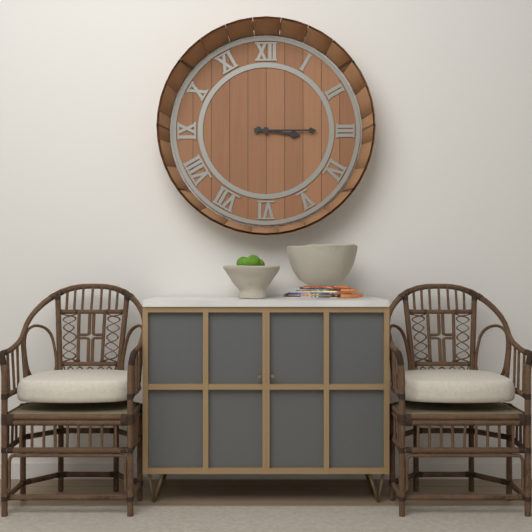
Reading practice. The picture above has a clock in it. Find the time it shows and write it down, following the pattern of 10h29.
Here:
3h15
